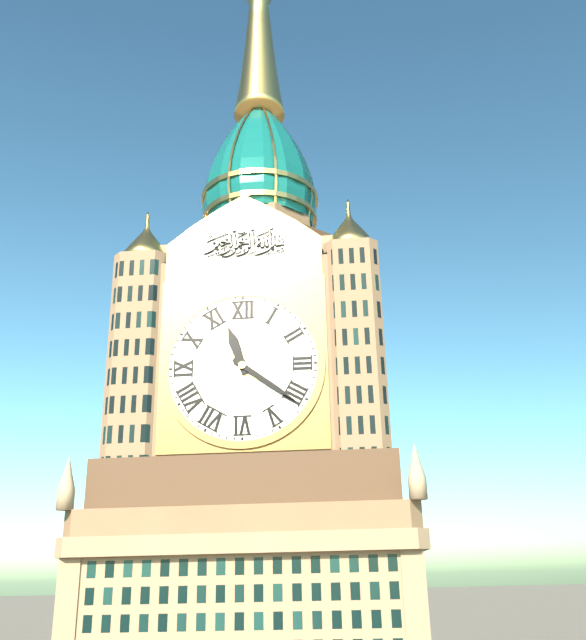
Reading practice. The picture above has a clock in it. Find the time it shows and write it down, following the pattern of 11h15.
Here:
11h21
